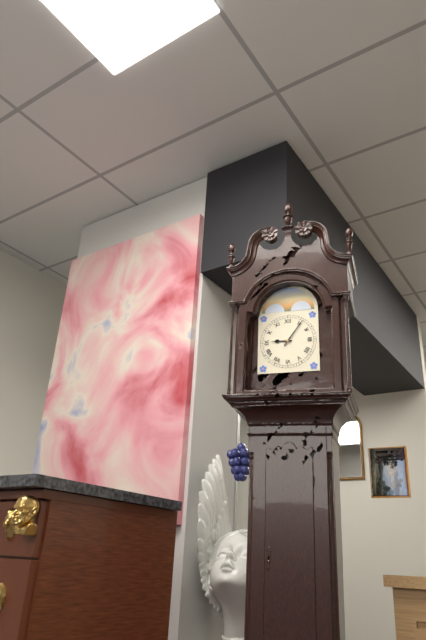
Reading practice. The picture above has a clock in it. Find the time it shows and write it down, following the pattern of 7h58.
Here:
9h06
